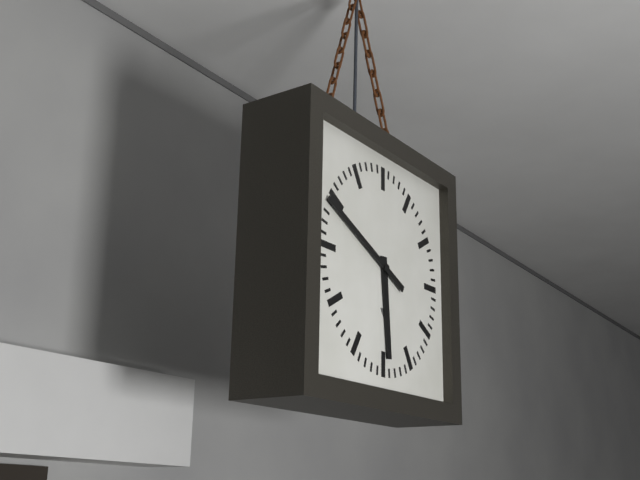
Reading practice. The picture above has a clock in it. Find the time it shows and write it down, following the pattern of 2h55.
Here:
5h49
